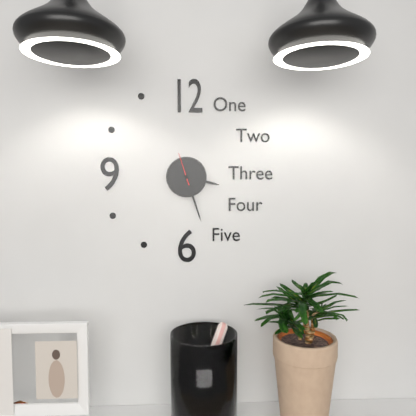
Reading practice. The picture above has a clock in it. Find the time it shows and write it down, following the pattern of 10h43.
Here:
3h27
